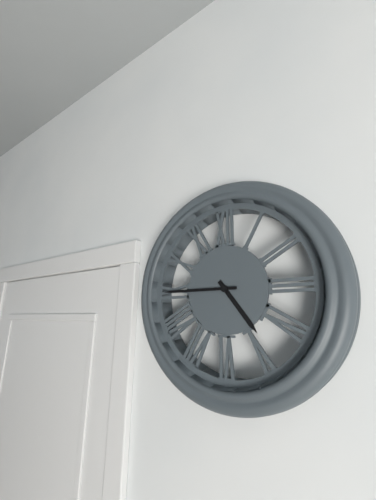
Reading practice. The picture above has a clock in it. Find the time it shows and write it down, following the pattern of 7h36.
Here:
4h45
